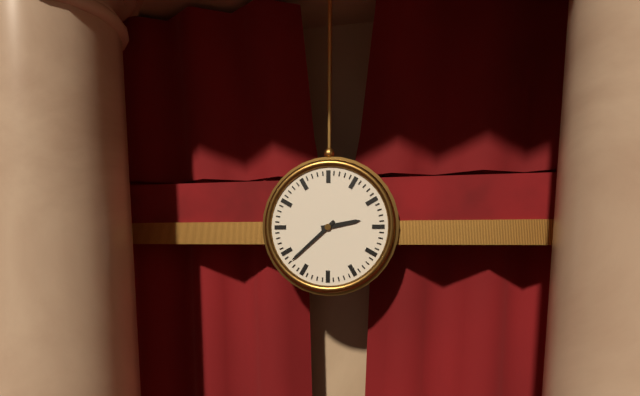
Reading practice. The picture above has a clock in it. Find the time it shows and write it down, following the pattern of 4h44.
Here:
2h38
